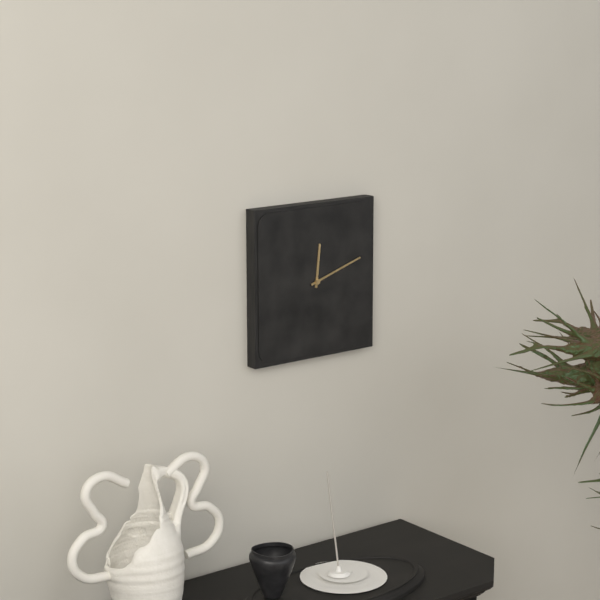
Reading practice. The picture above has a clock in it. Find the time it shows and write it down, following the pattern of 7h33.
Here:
12h12
